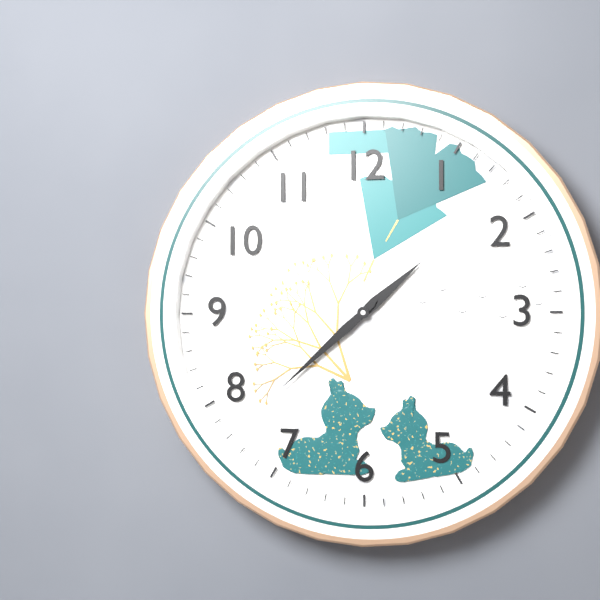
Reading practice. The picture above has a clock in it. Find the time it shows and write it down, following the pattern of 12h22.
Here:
1h38
